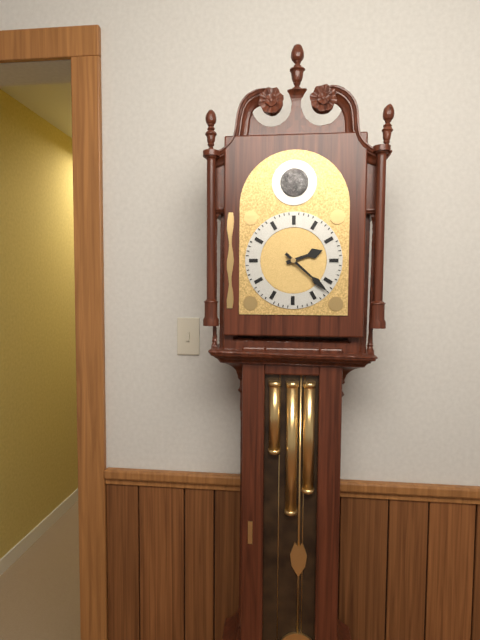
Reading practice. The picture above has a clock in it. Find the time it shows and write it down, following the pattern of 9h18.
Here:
2h22
